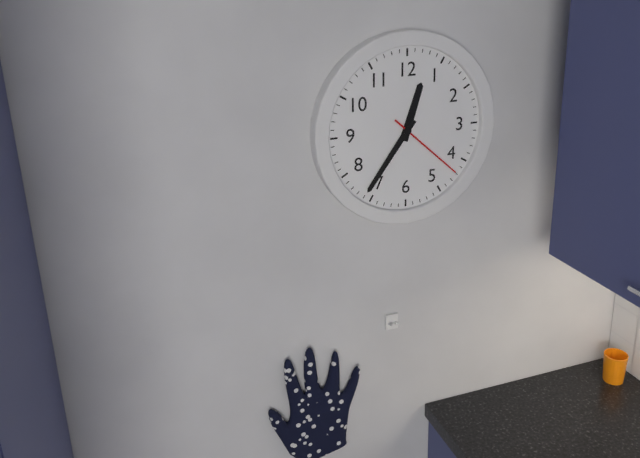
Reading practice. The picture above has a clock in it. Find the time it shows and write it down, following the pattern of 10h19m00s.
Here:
12h36m22s
